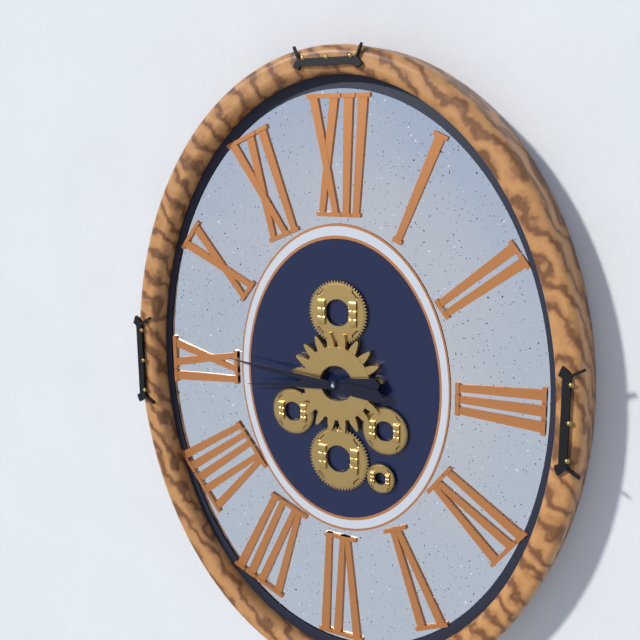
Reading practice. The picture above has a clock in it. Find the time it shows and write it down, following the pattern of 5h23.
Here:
8h46
